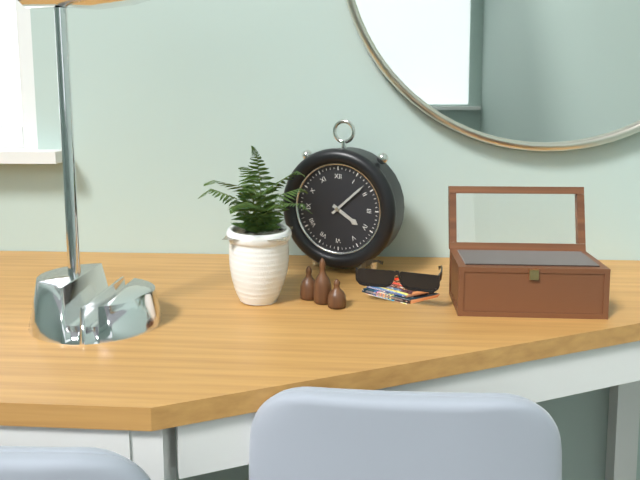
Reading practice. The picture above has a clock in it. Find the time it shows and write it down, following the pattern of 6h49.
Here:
4h08
